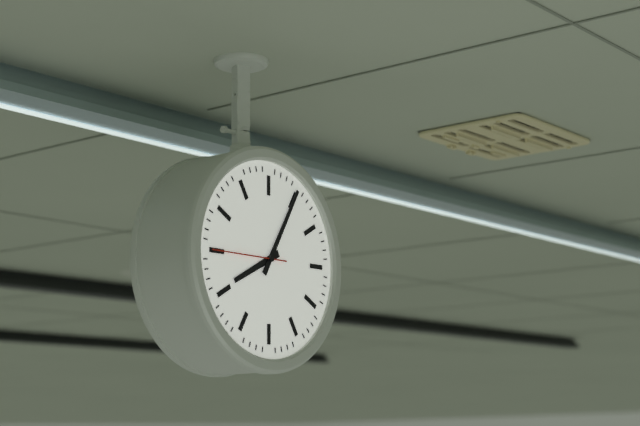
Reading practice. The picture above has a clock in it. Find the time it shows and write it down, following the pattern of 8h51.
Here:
8h05
